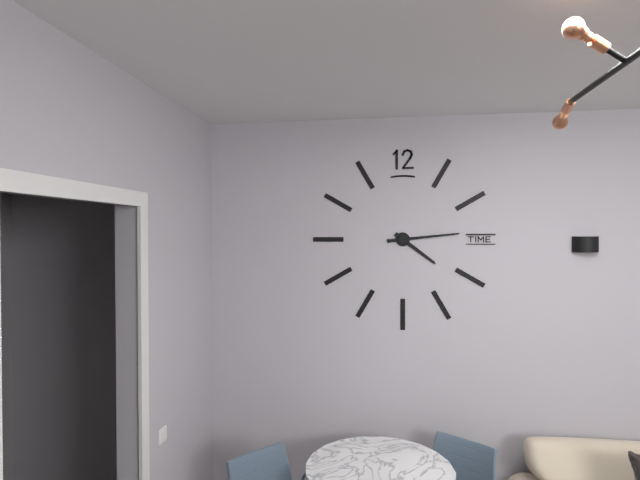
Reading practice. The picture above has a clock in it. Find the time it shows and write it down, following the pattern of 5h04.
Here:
4h14
